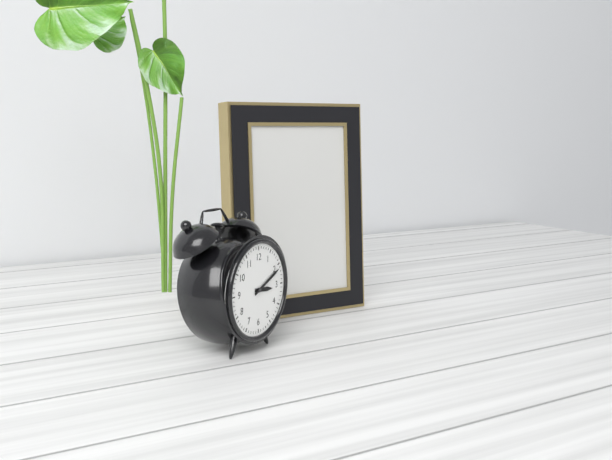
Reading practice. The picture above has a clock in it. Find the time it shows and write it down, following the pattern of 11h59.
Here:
3h11
